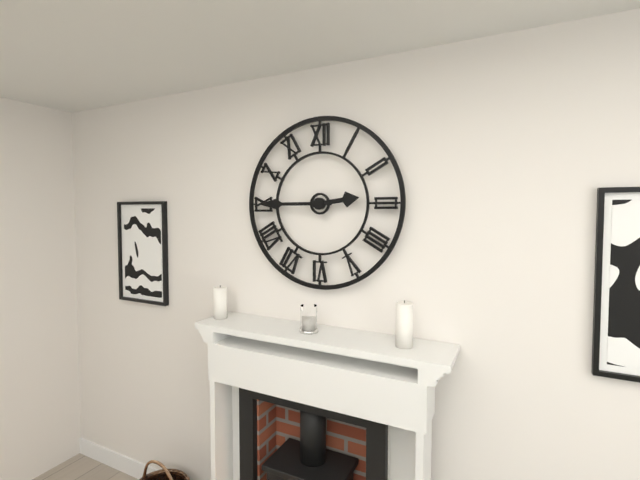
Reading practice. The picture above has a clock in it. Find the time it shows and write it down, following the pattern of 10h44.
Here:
2h45
